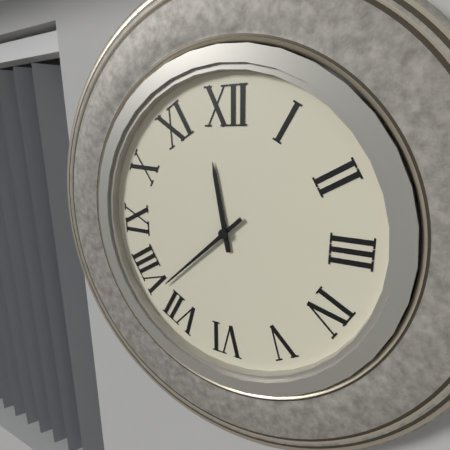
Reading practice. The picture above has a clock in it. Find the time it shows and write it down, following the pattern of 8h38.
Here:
11h38
